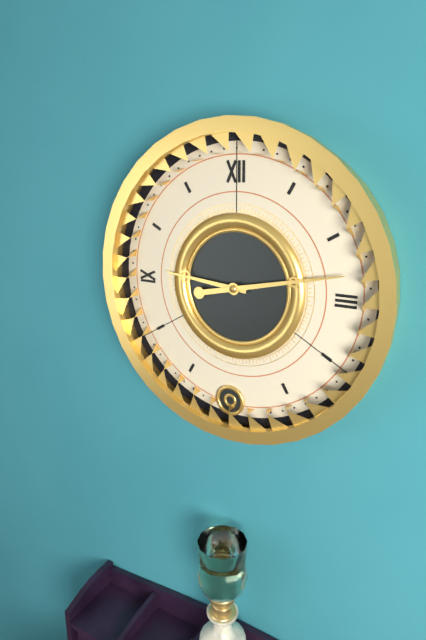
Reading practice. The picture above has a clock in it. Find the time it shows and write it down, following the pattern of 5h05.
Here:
9h13
